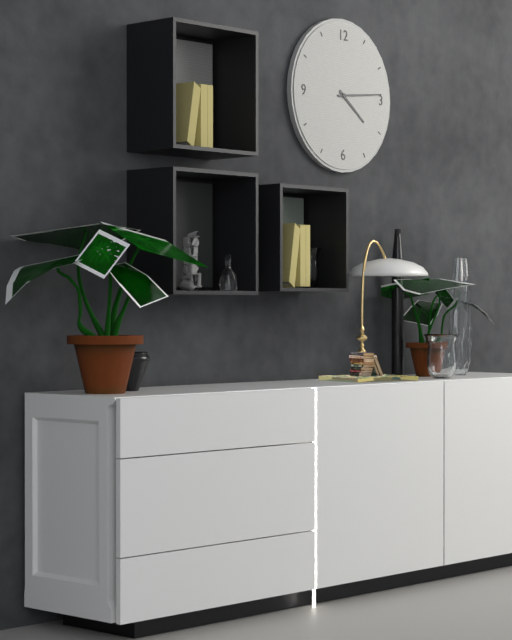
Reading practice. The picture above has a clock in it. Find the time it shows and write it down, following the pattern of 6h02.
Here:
4h14
